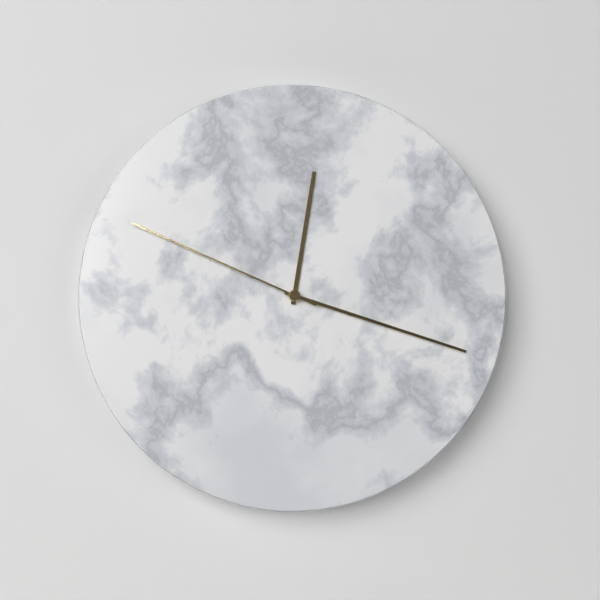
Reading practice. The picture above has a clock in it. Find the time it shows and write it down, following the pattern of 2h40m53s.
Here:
12h18m49s
